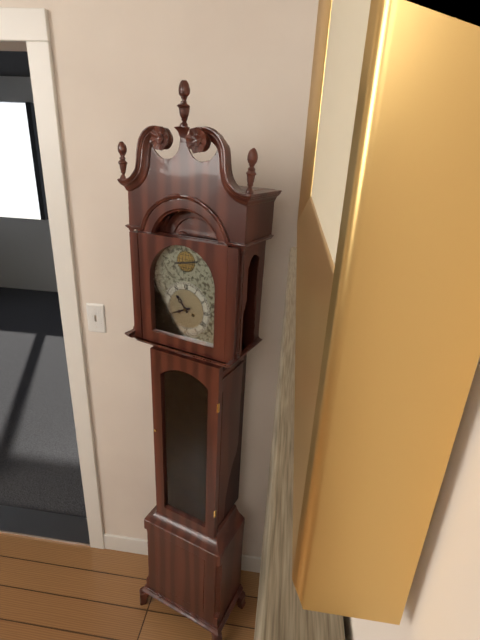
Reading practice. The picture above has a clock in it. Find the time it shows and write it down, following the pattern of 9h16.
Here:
10h41
